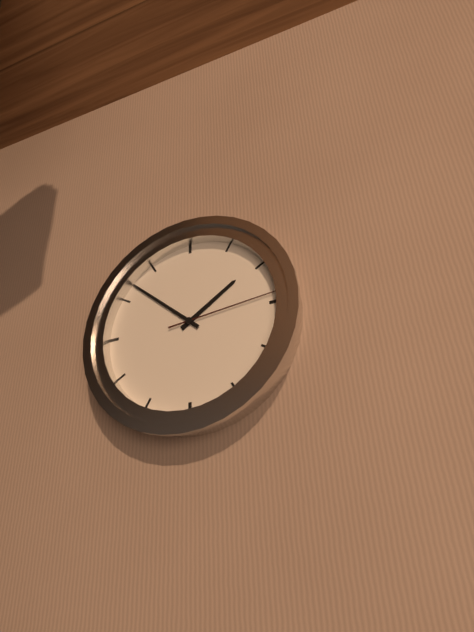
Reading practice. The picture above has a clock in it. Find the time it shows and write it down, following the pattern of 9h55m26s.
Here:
1h52m14s
